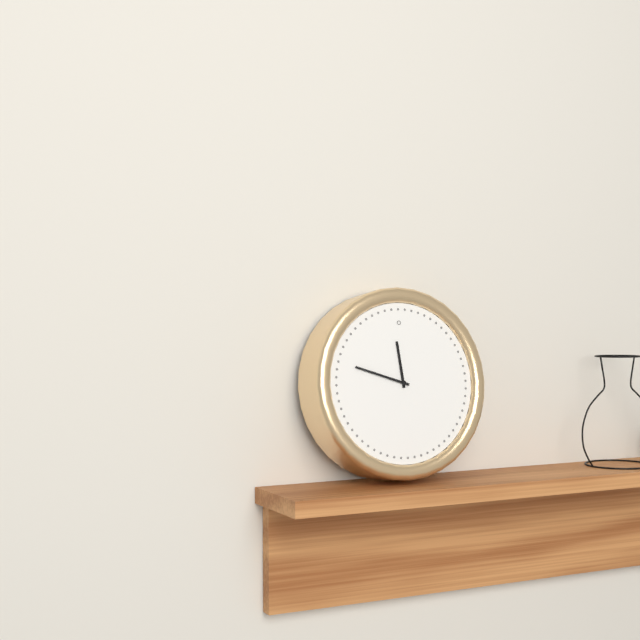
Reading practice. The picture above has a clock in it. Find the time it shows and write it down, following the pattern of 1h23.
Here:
11h48
